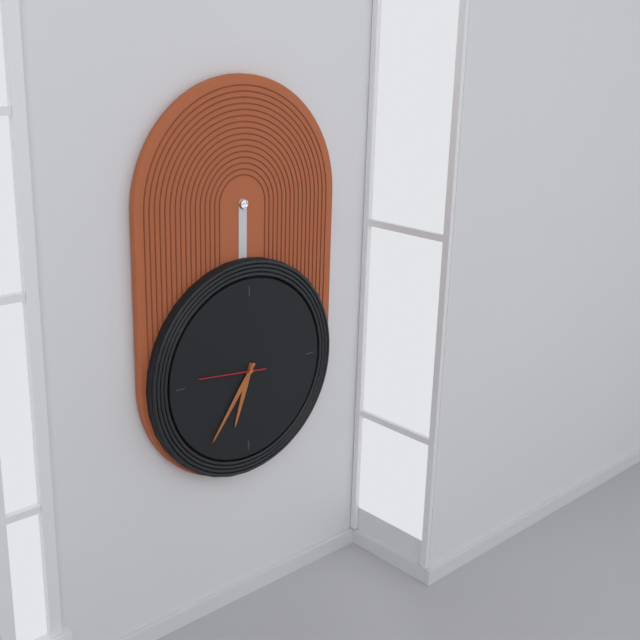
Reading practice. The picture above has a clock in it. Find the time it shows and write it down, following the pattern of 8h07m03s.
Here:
6h36m46s
